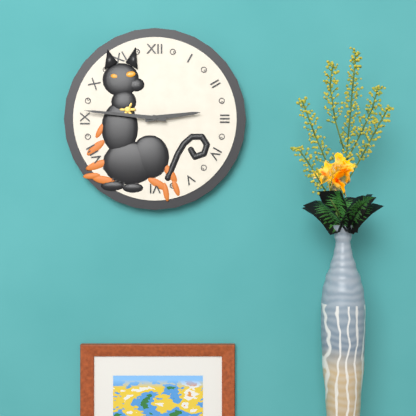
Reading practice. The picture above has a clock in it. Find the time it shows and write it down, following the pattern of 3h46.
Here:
2h46
